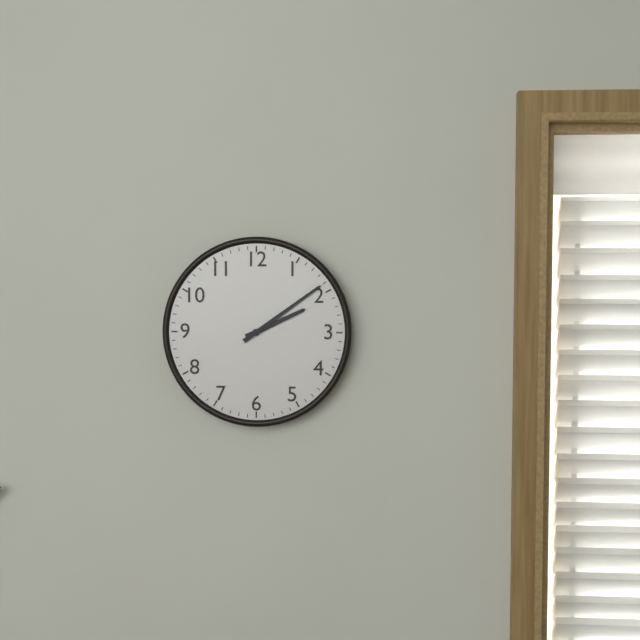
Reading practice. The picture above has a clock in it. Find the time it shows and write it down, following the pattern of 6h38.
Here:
2h09
